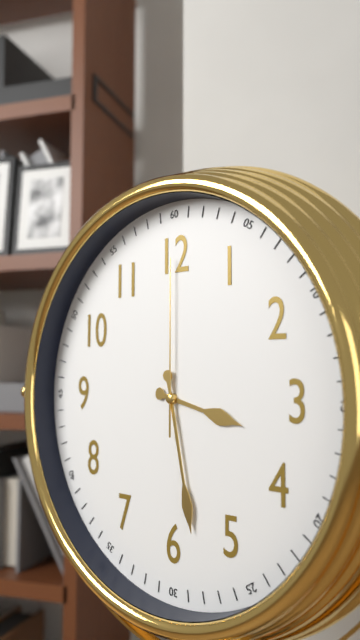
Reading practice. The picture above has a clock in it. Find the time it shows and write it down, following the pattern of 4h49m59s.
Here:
3h28m00s
